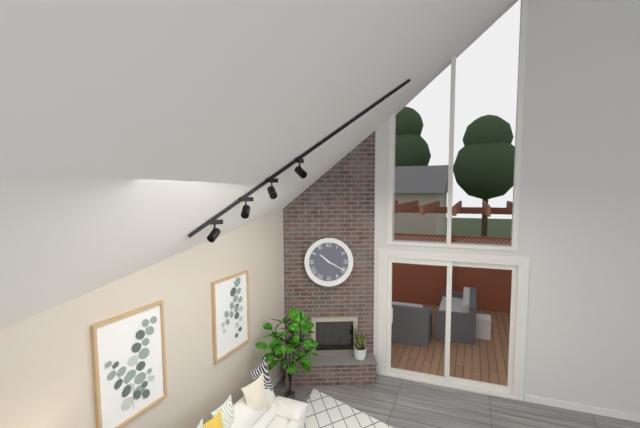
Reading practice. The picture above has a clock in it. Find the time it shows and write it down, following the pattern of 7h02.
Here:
10h20
